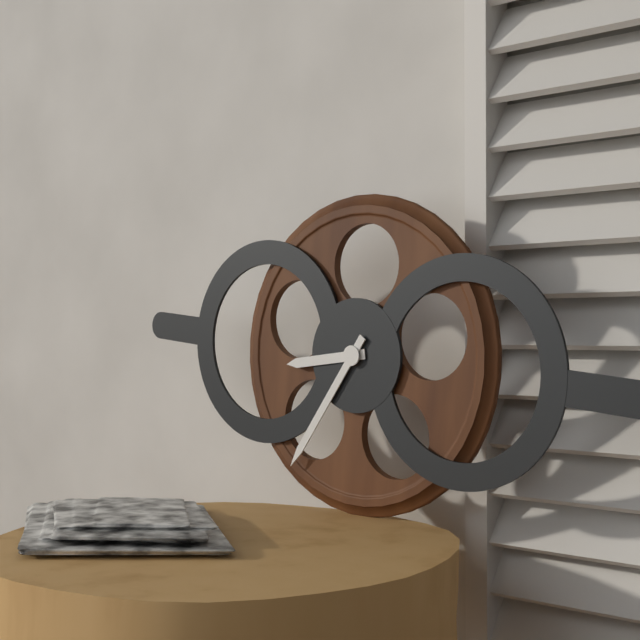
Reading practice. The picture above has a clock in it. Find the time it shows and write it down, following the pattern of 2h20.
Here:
8h35
